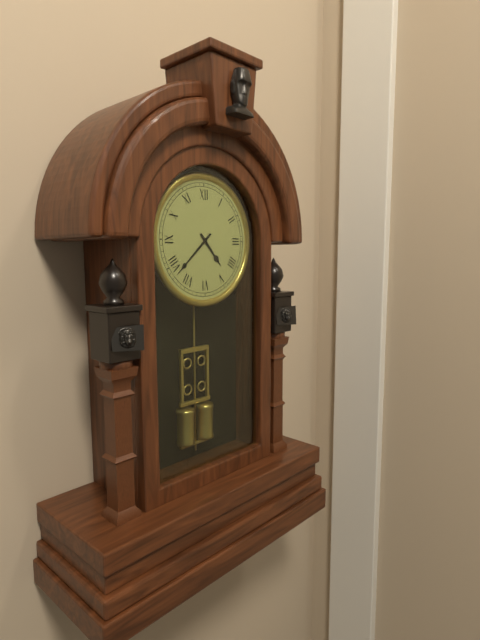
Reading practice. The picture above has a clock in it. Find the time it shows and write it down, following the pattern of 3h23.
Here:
4h38
